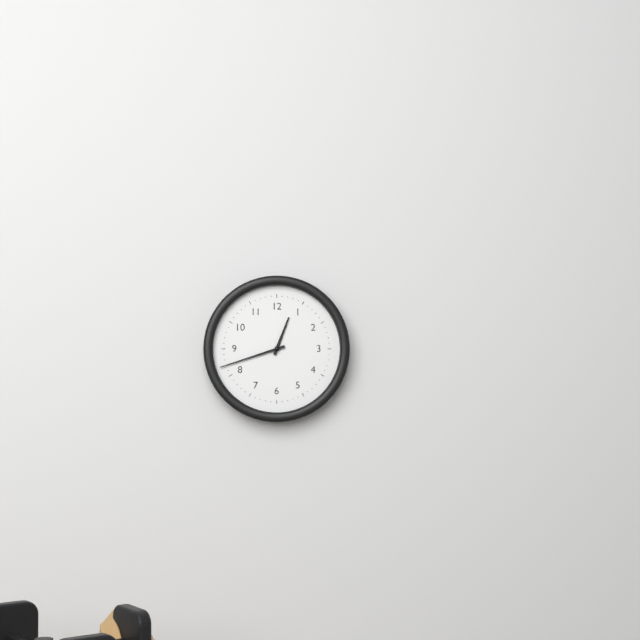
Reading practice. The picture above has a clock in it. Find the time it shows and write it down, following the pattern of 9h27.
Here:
12h42
